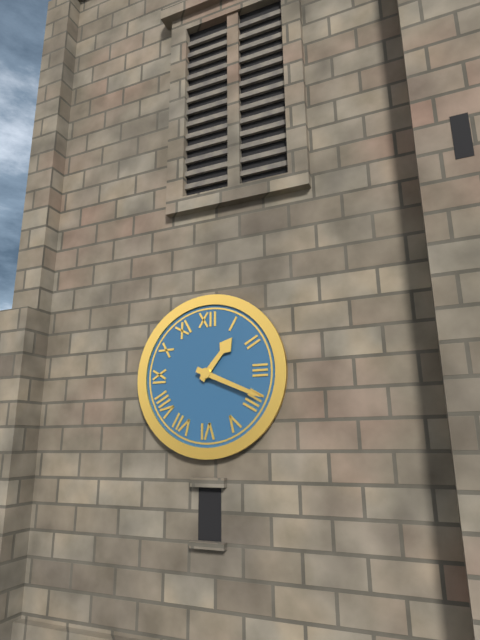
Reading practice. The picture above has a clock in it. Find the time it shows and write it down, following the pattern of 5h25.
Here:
1h19
